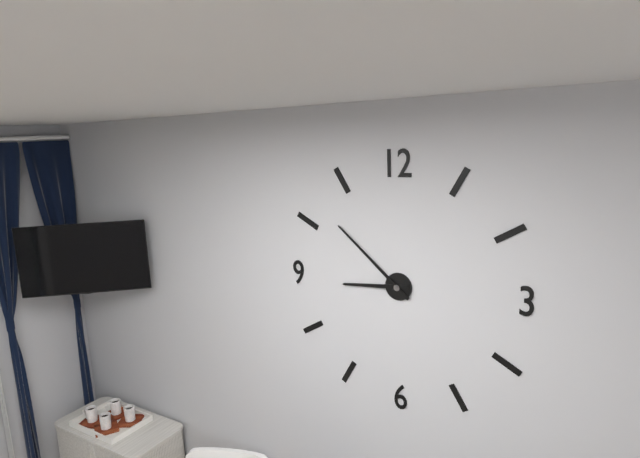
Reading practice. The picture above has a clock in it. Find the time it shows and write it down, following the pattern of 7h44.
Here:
8h52
